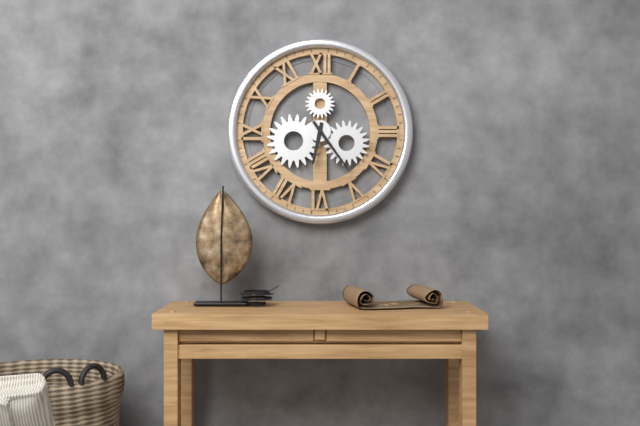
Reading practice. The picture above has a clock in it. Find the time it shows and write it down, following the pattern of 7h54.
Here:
6h24
